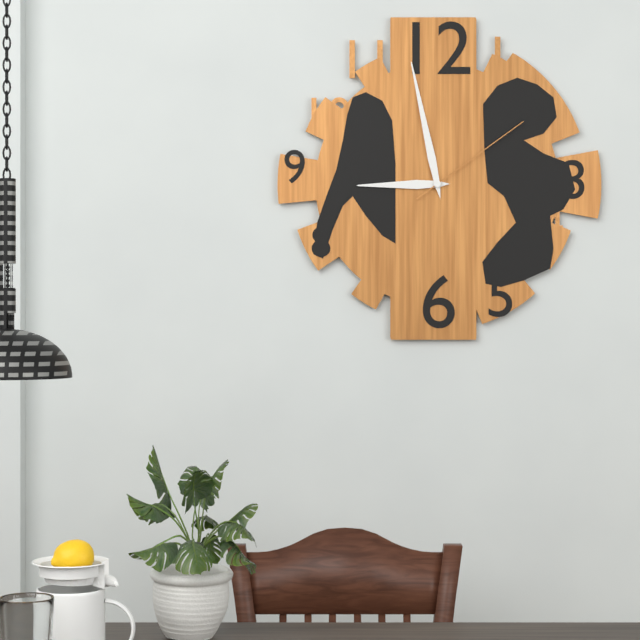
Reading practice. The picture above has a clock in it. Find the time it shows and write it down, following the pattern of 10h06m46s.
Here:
8h58m09s
